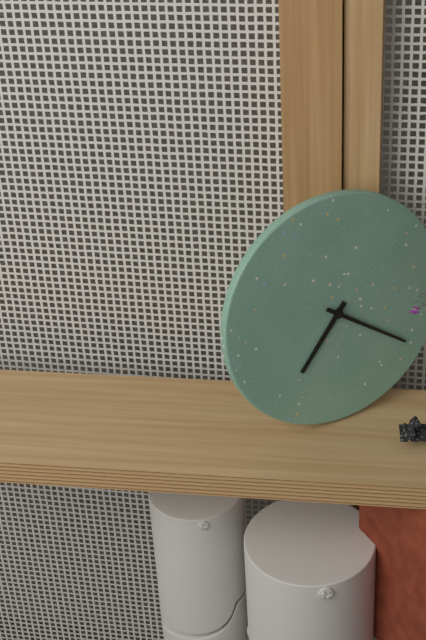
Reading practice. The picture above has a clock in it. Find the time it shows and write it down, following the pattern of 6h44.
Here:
7h21
